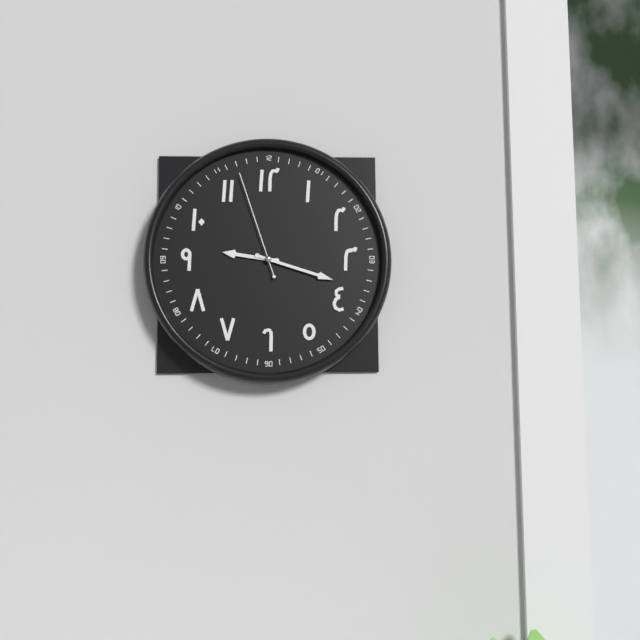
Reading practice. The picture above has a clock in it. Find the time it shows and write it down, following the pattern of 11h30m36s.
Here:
9h18m57s
